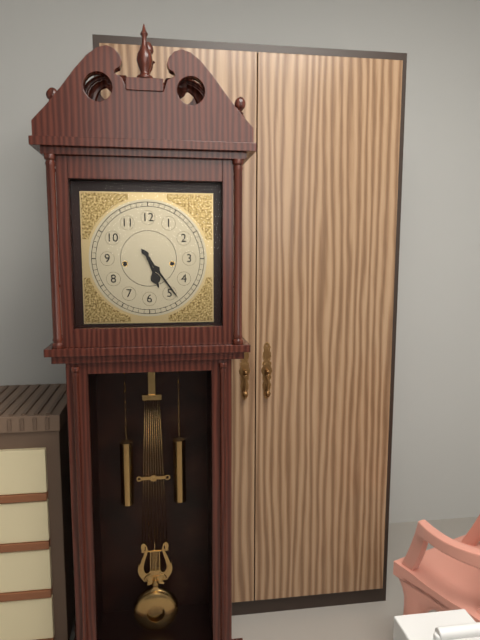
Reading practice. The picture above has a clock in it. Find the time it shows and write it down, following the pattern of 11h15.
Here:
5h24
